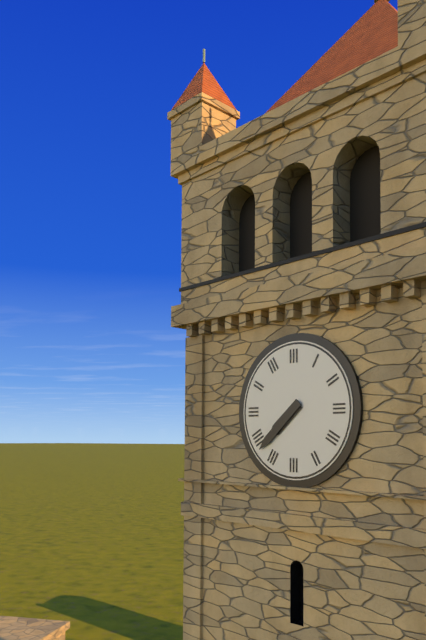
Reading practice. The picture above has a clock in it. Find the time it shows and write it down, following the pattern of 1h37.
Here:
7h38
